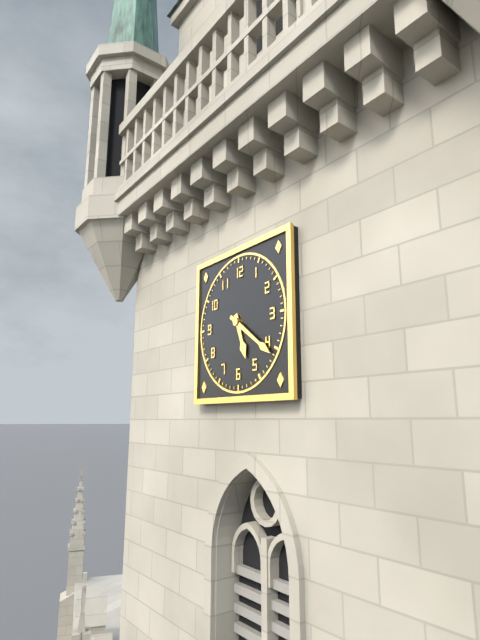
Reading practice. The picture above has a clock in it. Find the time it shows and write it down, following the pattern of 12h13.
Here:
5h21
